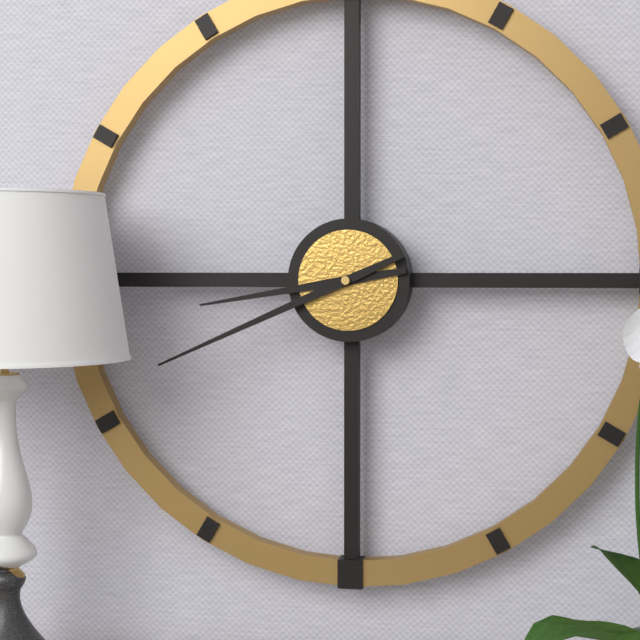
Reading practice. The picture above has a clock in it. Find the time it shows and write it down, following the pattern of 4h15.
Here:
8h41
